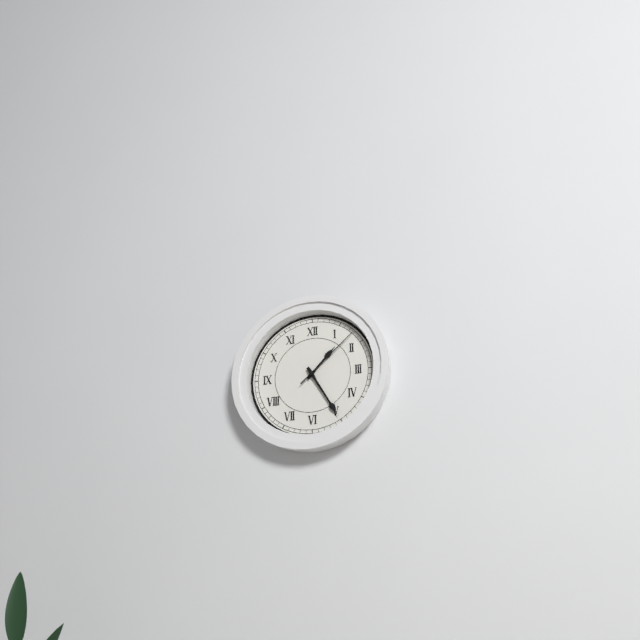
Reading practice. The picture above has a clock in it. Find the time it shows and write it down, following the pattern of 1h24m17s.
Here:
1h25m08s
